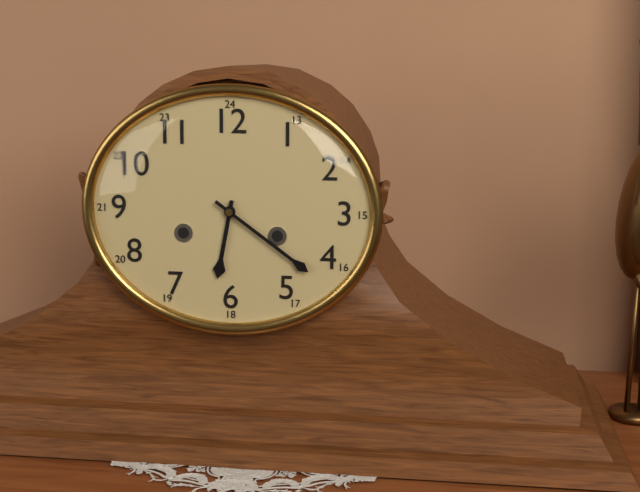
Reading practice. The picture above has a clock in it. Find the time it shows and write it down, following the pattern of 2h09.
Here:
6h21
